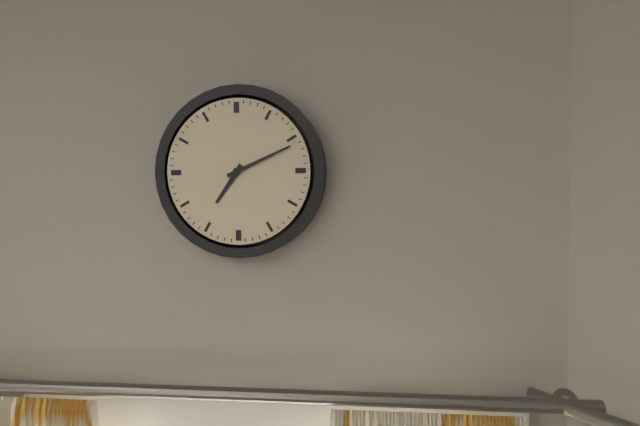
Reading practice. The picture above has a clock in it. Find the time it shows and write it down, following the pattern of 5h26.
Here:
7h11
